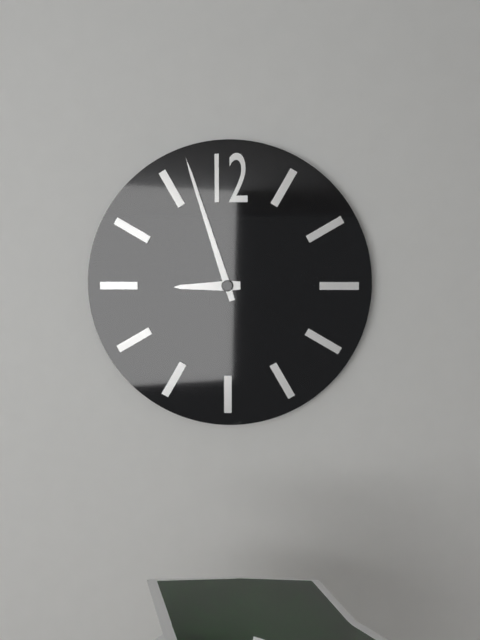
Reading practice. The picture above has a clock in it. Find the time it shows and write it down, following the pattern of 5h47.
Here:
8h57
